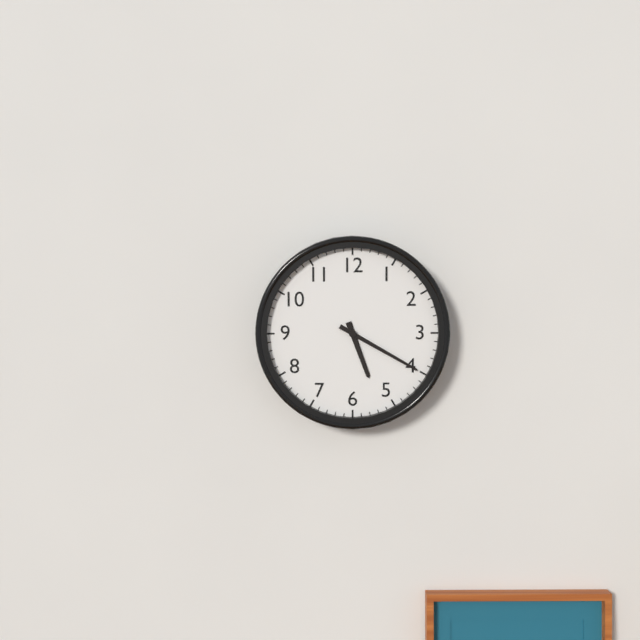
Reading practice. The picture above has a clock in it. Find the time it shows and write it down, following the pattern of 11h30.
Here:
5h20
